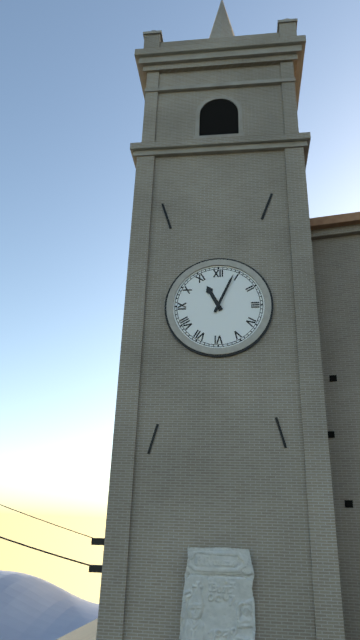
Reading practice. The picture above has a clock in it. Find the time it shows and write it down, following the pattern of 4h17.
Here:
11h04
